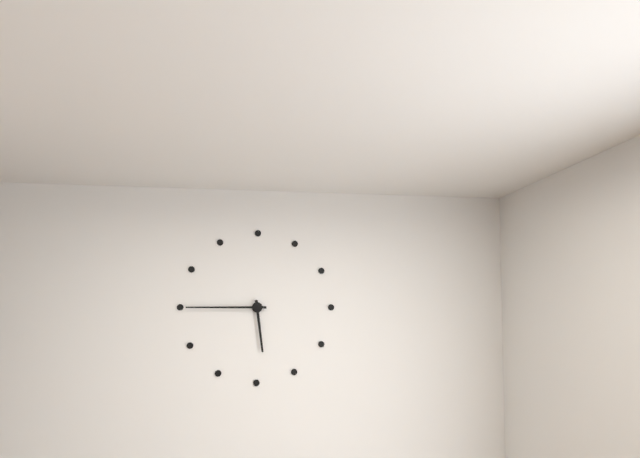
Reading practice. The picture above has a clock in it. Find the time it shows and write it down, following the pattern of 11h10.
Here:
5h45
